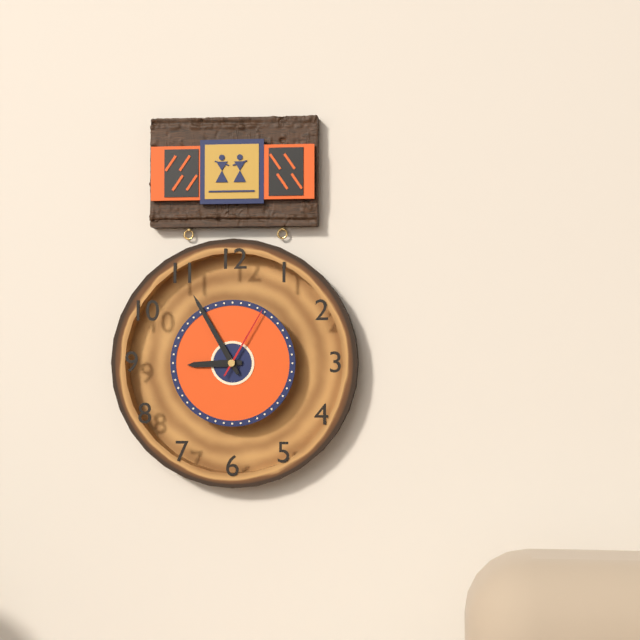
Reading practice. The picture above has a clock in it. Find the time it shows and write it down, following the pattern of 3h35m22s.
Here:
8h55m05s
